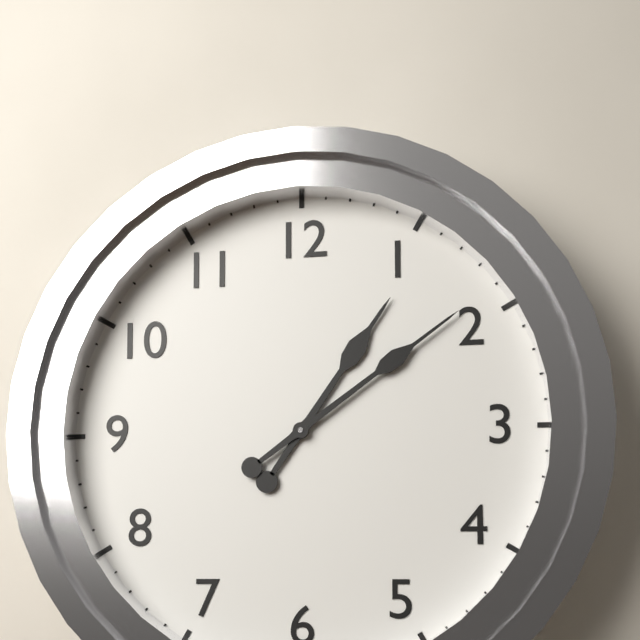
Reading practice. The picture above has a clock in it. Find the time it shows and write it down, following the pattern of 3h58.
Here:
1h09
